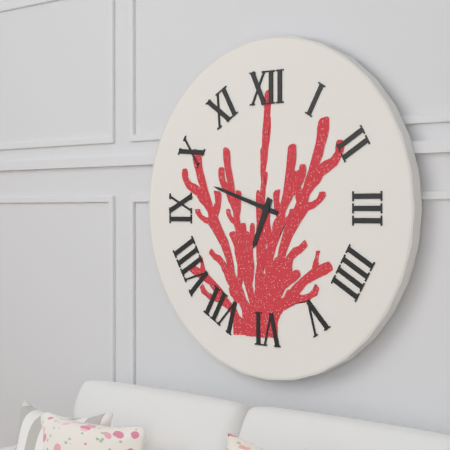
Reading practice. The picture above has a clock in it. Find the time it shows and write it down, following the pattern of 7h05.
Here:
6h48
